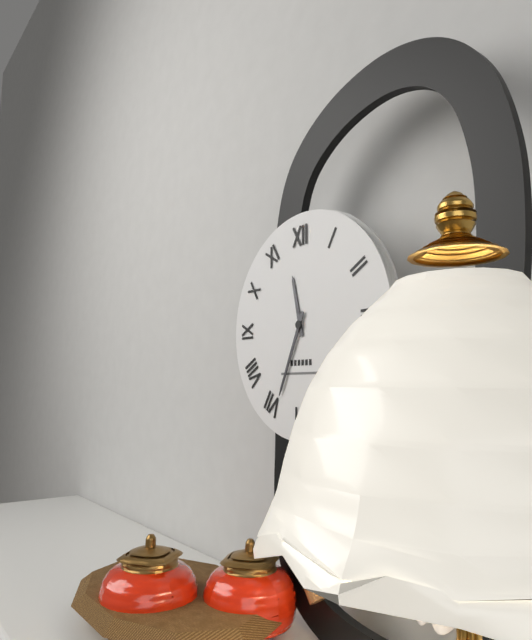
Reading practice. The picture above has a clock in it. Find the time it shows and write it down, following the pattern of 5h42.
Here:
11h34
